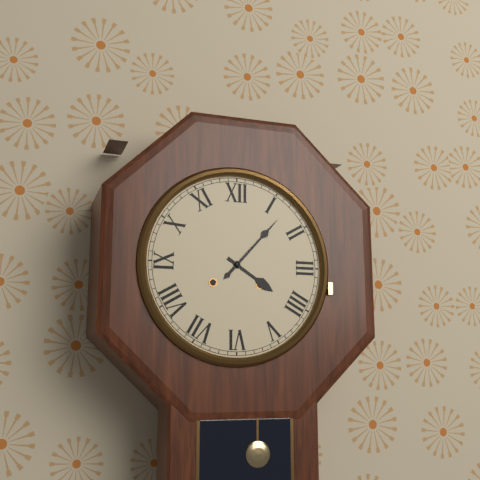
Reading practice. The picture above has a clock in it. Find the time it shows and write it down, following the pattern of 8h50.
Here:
4h07
